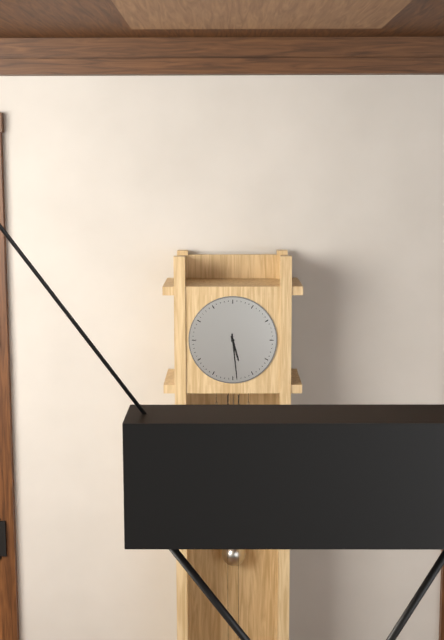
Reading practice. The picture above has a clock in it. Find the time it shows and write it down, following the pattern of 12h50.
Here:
5h29
